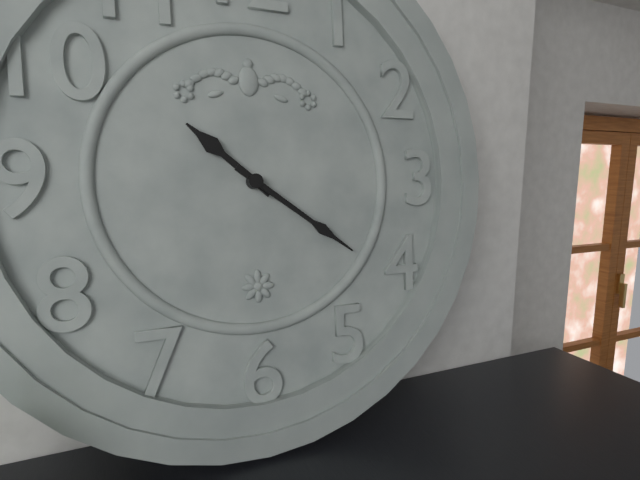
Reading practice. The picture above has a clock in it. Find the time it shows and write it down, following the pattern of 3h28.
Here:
10h21
